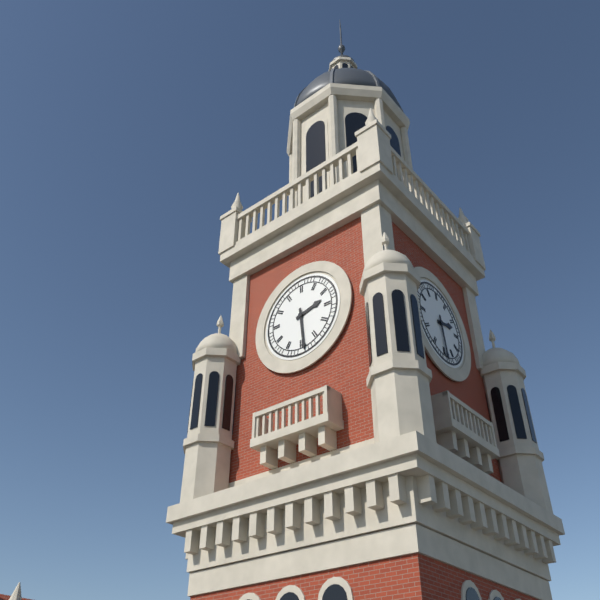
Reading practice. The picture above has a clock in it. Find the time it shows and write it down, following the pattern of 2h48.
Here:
2h29
